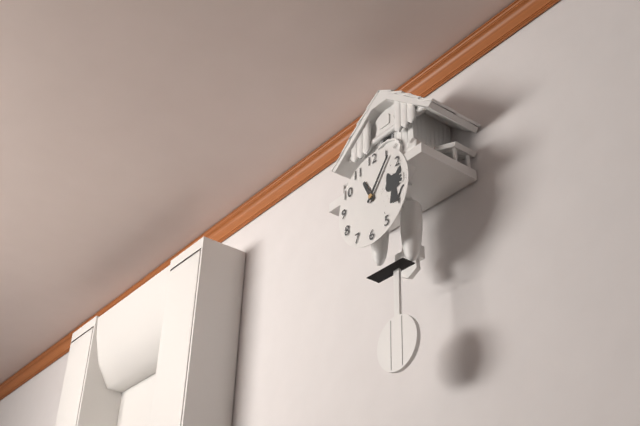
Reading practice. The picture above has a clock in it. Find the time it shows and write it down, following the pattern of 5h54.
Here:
11h06
